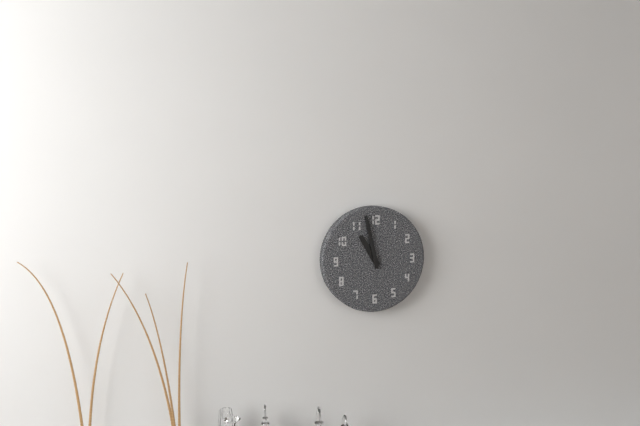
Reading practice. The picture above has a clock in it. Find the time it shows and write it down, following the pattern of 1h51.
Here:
10h58
